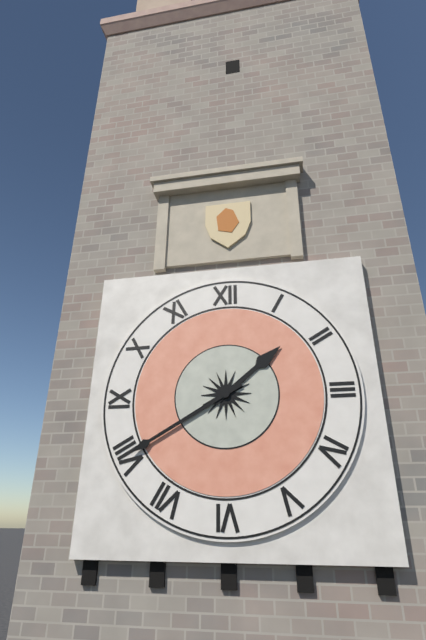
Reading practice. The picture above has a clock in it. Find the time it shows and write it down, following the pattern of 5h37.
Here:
1h40
